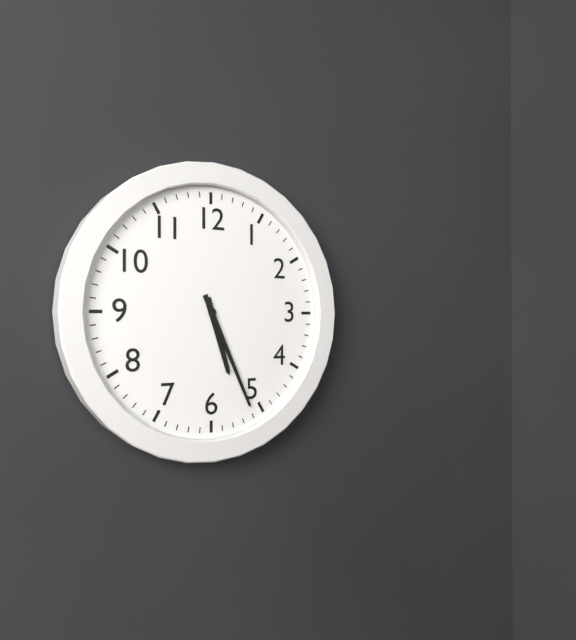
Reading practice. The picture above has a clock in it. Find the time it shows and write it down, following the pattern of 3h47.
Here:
5h26
